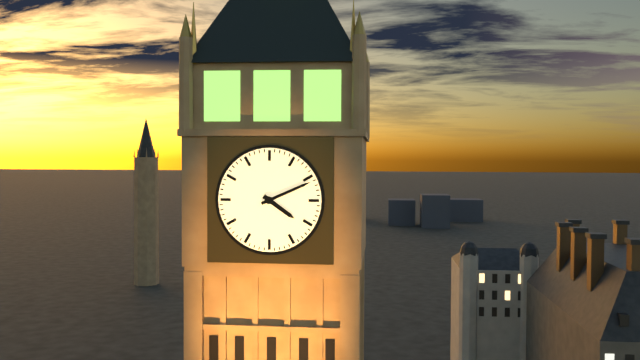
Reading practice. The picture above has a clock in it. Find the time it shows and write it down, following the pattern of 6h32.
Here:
4h11
